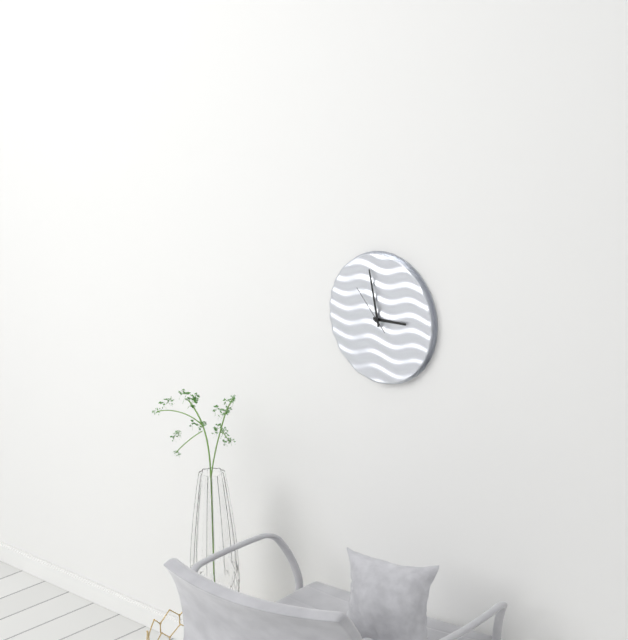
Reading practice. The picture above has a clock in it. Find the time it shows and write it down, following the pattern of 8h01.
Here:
2h58
